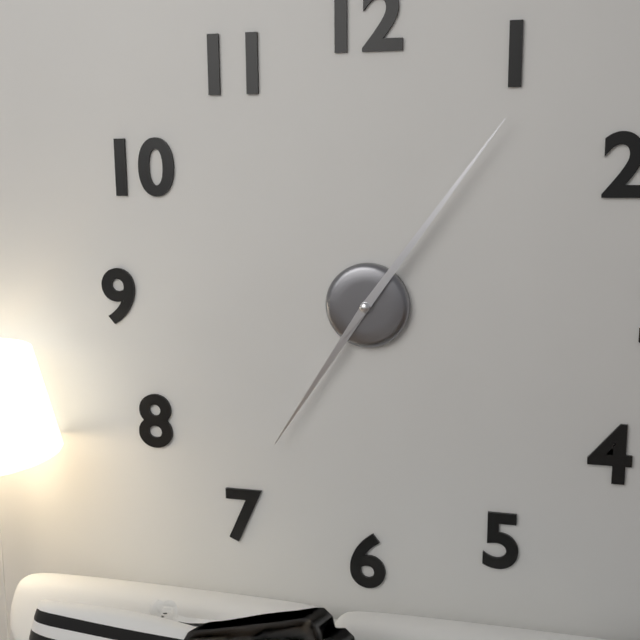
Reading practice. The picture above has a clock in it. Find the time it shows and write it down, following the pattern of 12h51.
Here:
7h06
